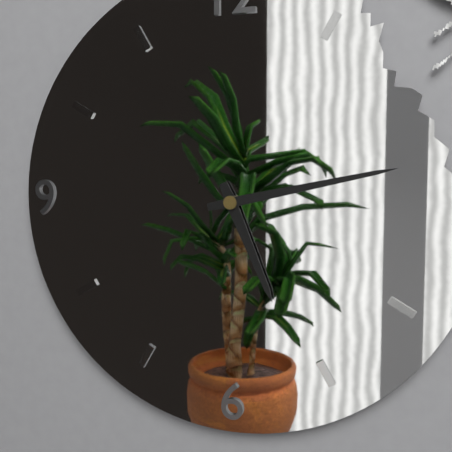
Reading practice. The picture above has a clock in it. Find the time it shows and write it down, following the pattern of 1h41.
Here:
5h13
